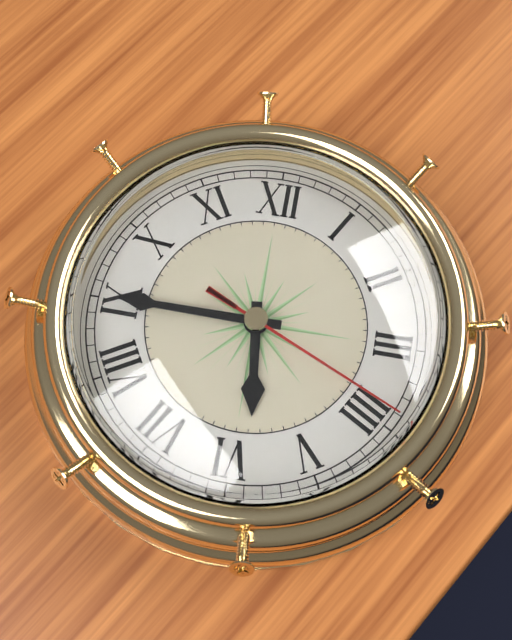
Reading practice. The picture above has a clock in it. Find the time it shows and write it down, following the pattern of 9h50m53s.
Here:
5h45m19s
